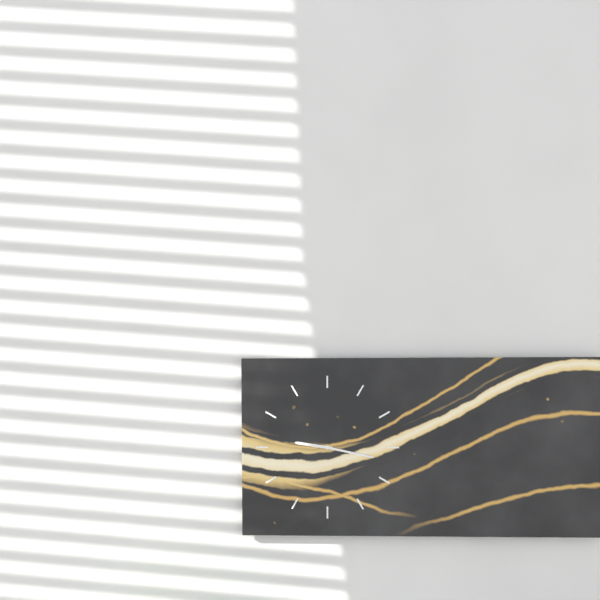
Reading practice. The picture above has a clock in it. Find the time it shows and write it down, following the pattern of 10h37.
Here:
9h17
